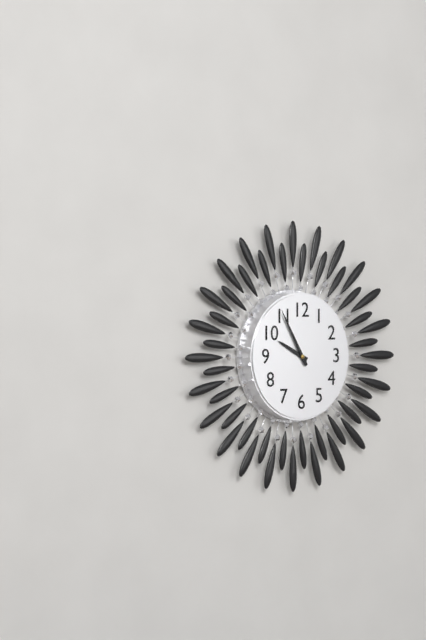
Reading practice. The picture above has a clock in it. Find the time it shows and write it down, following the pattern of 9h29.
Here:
9h55
